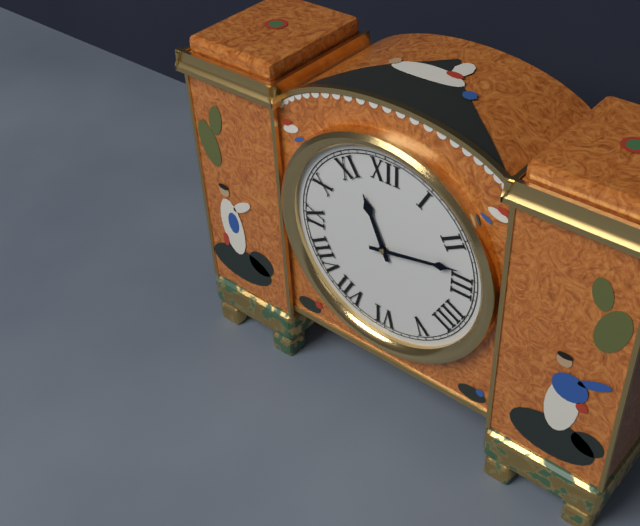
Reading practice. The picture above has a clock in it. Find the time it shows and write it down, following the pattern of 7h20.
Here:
11h13
